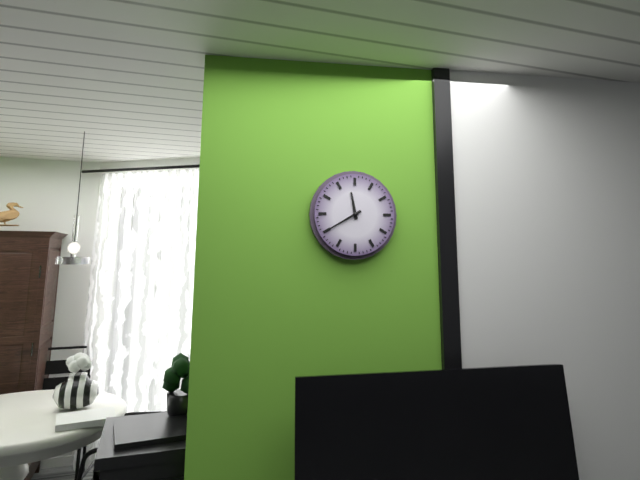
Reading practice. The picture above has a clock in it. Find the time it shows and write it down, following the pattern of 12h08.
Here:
11h40
